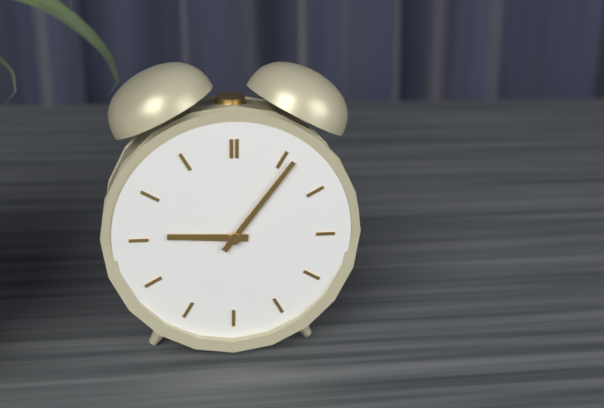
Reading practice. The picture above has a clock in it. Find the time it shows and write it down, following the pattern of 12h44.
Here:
9h06
